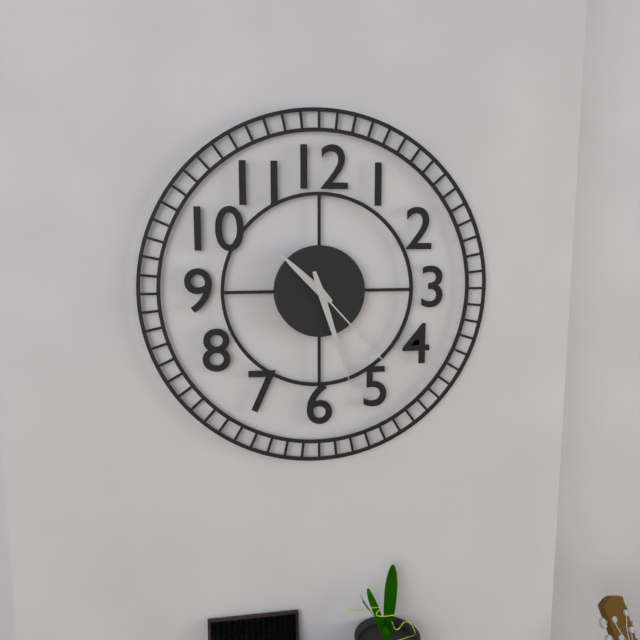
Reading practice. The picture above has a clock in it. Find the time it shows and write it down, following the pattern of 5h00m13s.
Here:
10h27m23s
